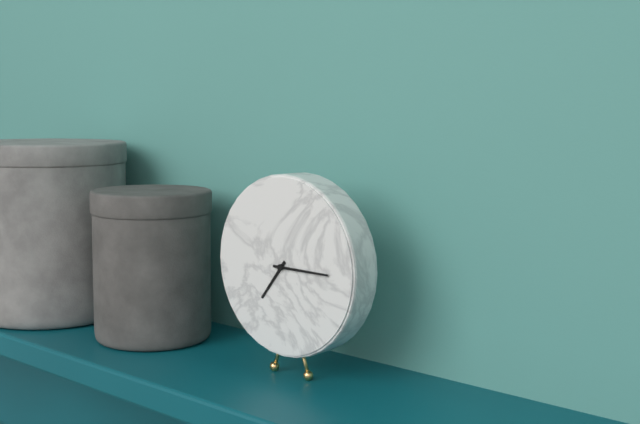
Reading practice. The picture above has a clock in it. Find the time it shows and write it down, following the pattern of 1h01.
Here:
7h15
